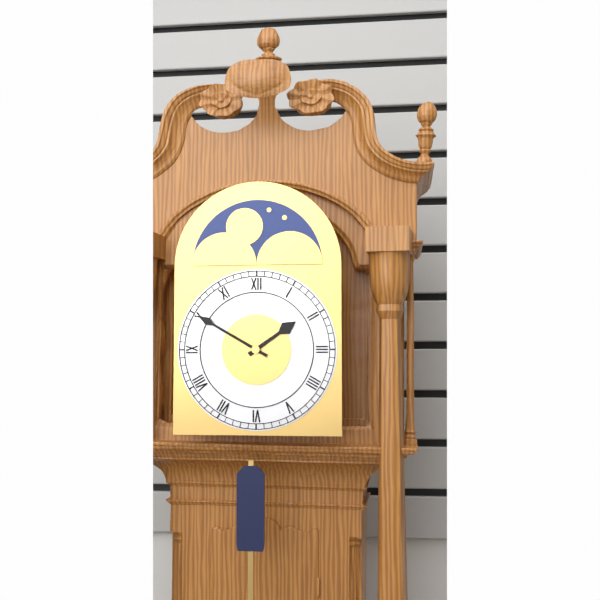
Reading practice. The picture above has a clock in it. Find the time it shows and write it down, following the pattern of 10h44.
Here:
1h50
